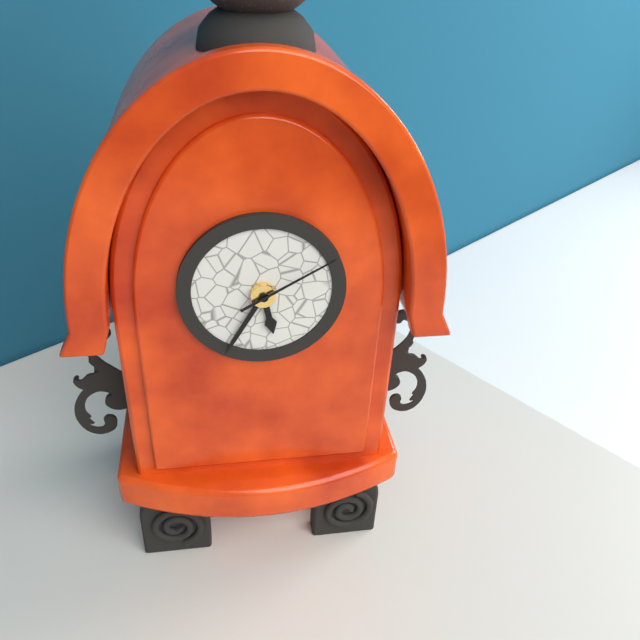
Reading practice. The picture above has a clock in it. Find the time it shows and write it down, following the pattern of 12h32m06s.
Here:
5h35m10s
